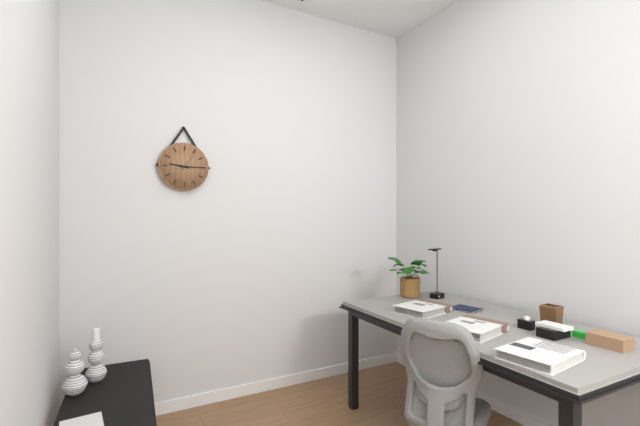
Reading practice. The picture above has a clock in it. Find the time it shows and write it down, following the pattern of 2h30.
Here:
9h15
